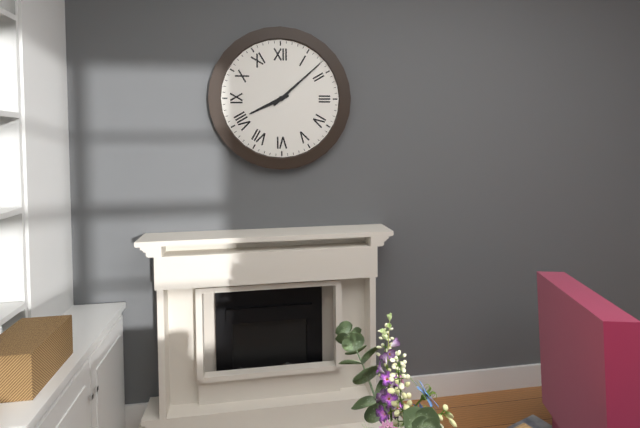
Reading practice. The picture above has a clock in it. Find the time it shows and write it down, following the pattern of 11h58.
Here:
8h08
